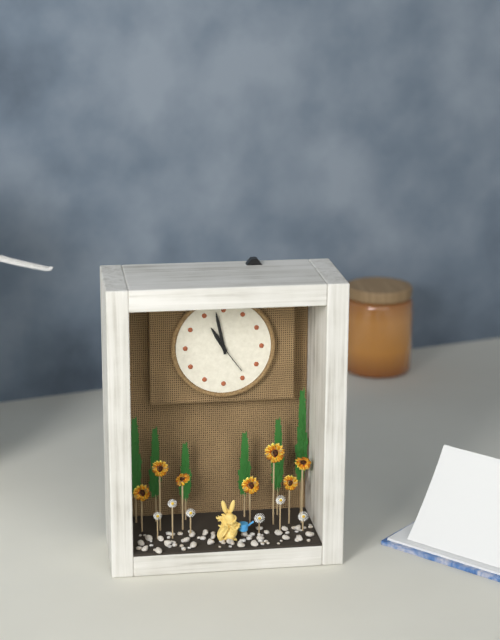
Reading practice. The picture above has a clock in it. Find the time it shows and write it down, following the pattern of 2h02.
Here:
10h58
